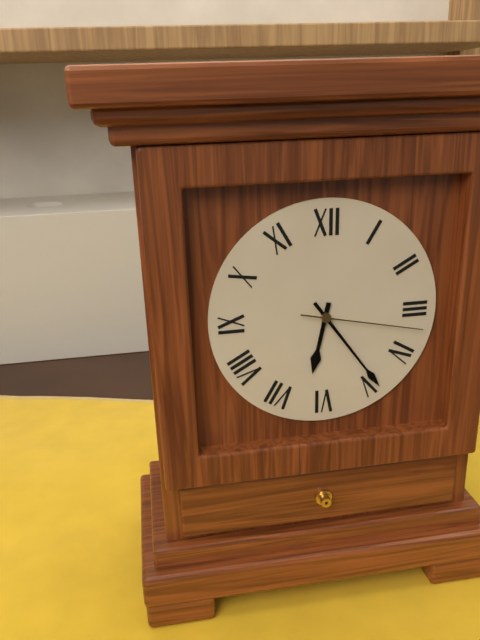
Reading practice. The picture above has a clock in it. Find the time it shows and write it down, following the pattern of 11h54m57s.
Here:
6h24m17s
